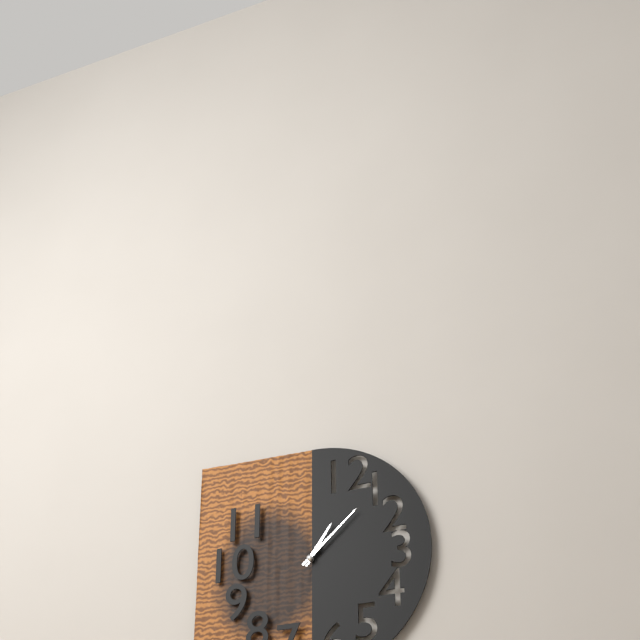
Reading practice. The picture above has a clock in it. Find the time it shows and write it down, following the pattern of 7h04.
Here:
1h08
